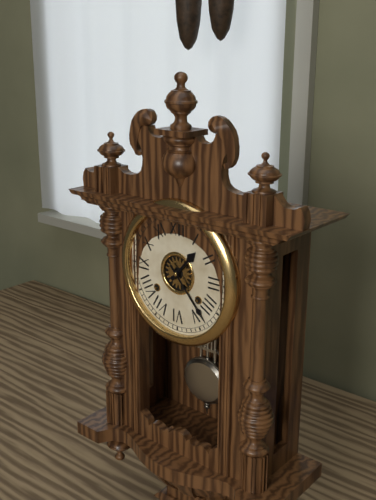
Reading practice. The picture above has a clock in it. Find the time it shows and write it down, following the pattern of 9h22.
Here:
1h23
